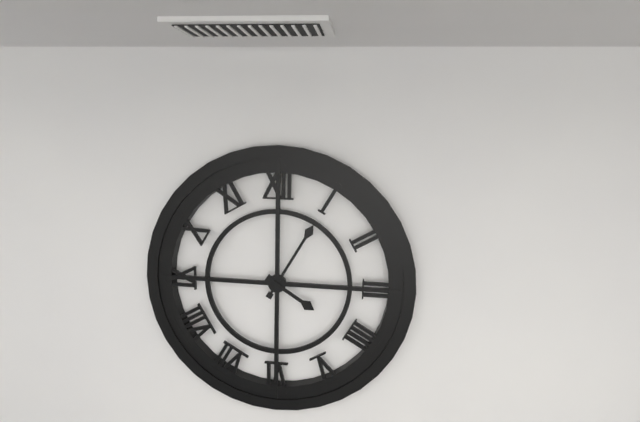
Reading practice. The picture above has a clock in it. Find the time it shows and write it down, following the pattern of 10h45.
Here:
4h05
